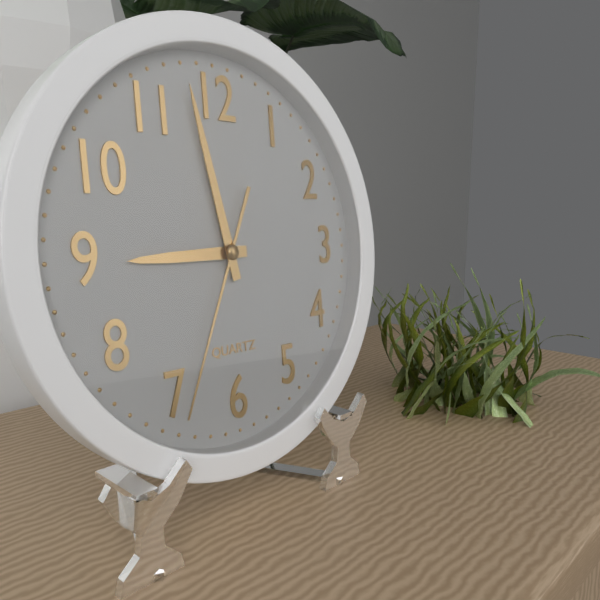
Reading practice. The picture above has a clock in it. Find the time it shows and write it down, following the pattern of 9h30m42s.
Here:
8h58m34s
